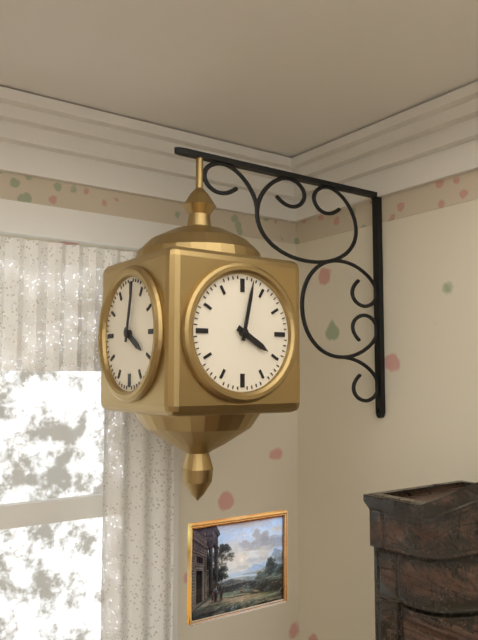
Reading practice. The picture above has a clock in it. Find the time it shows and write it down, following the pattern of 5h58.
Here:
4h02
